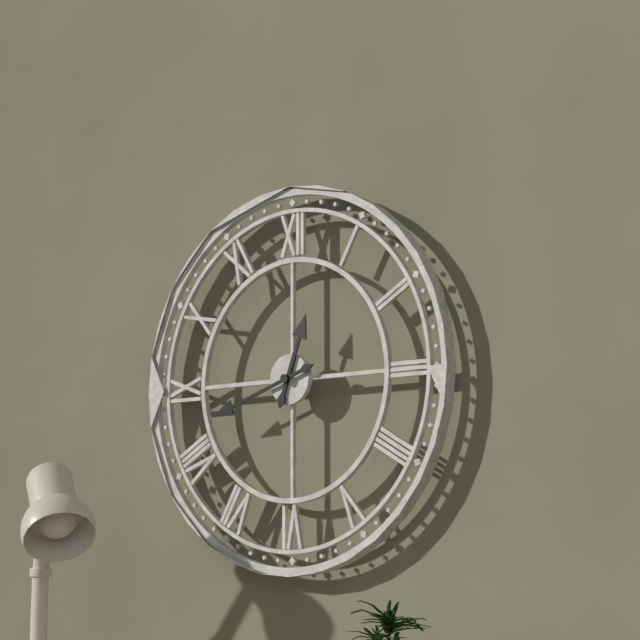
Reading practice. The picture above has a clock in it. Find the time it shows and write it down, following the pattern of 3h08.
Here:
12h42
